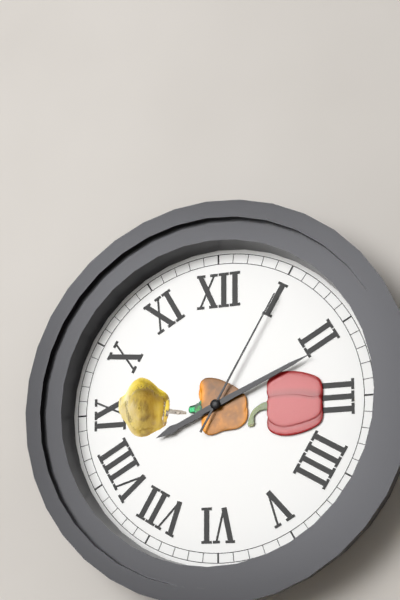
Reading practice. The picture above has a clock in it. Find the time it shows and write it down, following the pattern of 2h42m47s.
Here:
8h11m05s
